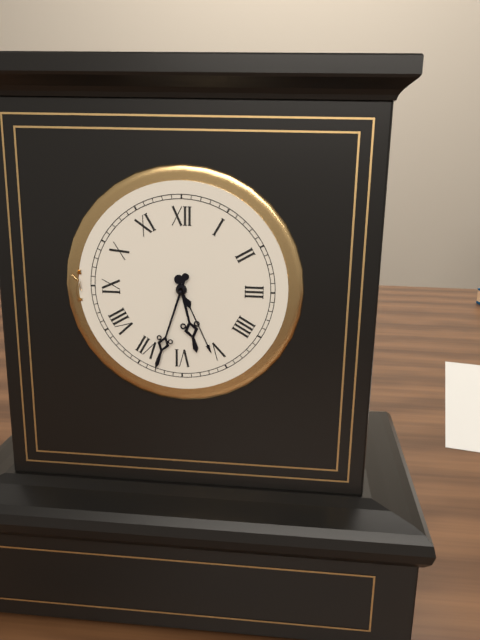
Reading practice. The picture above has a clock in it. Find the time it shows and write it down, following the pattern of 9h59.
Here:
5h33
